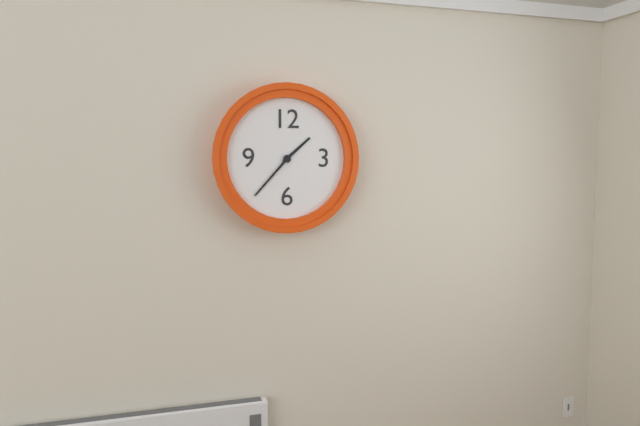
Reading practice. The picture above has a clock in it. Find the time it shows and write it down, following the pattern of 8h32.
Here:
1h37
